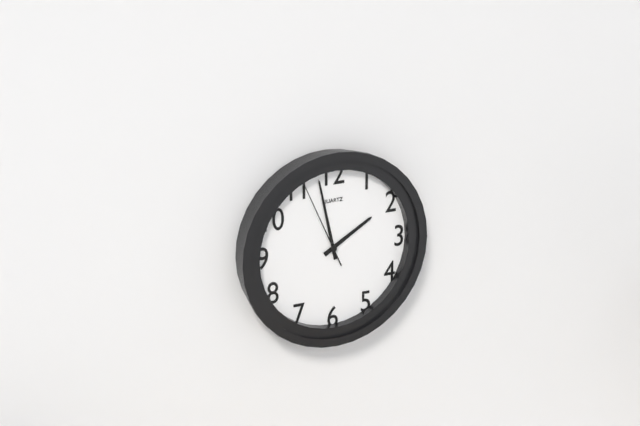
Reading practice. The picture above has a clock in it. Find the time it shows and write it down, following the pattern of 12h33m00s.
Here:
1h58m56s
